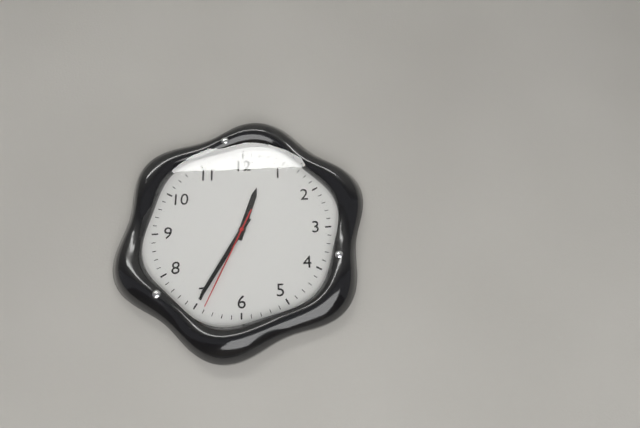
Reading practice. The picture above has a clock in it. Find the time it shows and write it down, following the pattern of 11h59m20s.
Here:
12h35m34s
